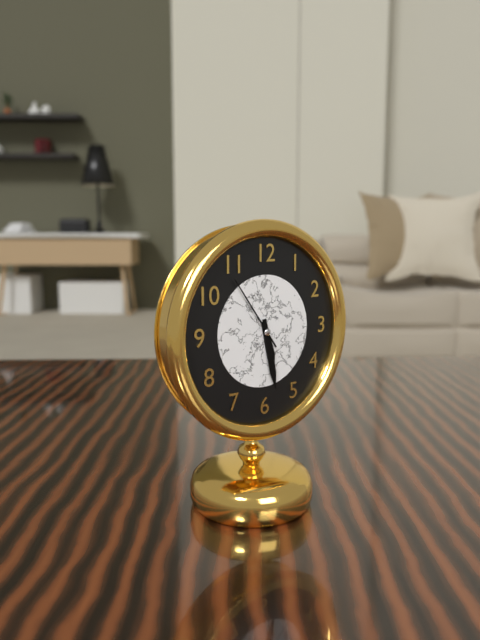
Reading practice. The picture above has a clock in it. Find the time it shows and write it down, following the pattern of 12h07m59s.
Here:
5h28m54s
